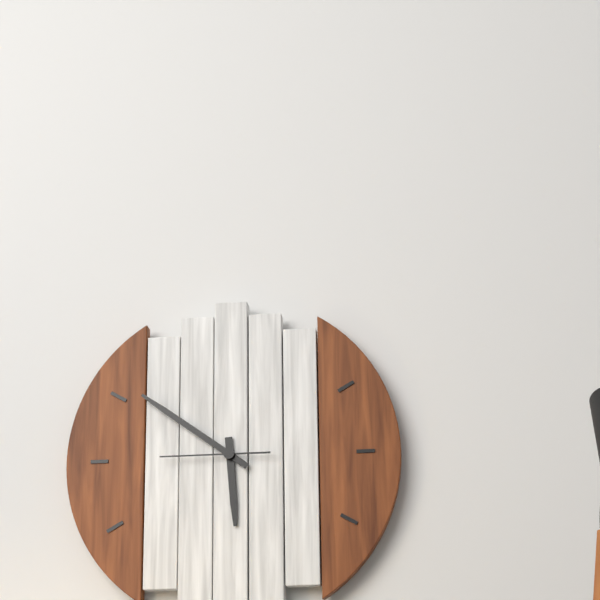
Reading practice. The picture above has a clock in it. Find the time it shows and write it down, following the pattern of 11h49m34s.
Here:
5h51m45s
